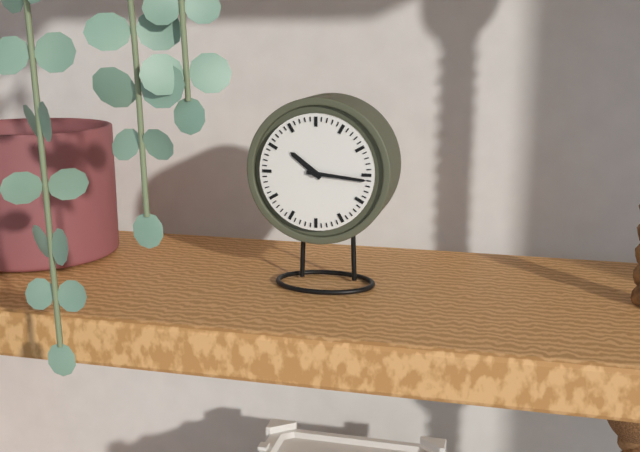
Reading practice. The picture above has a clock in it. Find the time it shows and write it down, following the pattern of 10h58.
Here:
10h16
